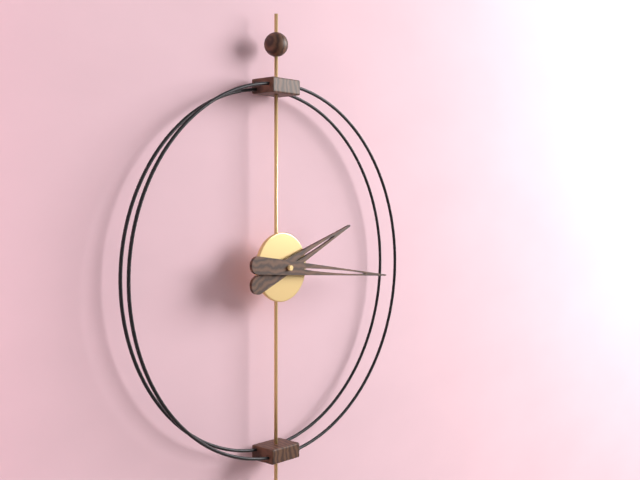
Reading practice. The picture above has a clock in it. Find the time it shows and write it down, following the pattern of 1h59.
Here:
2h16
